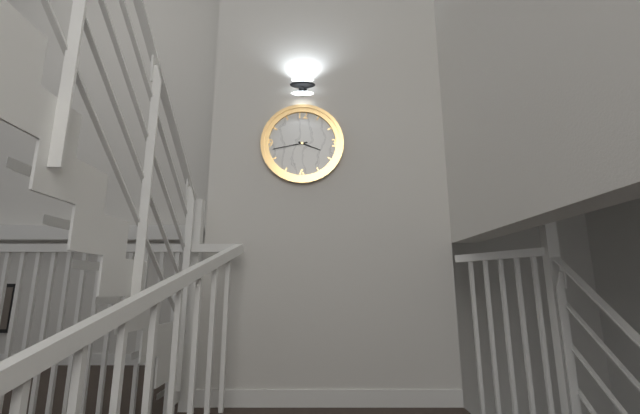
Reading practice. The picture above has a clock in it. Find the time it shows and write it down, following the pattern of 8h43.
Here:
3h43
